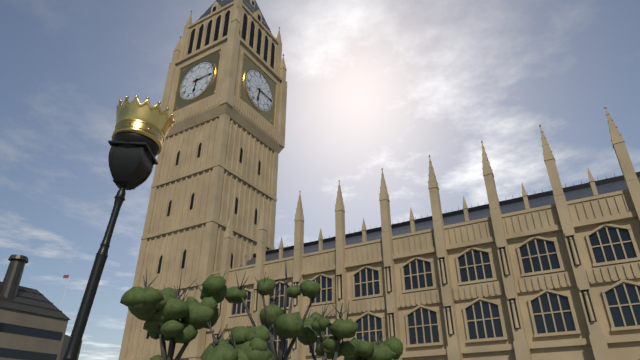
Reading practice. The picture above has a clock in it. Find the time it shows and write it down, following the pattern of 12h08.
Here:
6h15
